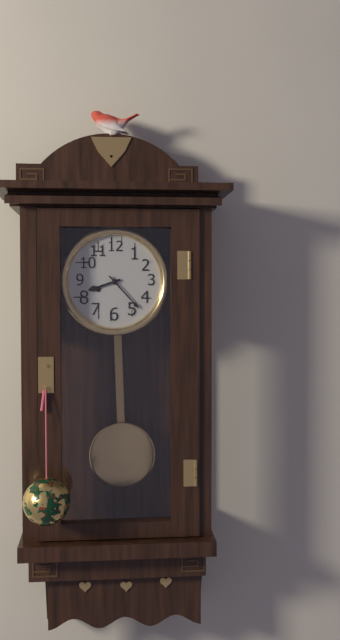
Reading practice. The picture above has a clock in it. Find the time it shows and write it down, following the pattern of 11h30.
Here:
8h23
